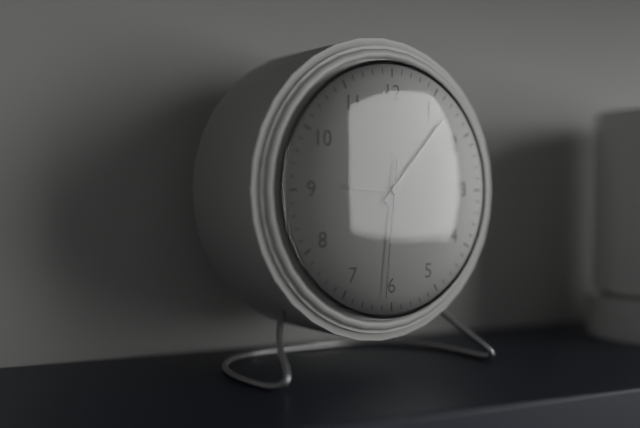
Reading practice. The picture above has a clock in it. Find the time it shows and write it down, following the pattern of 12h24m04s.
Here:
9h07m31s
